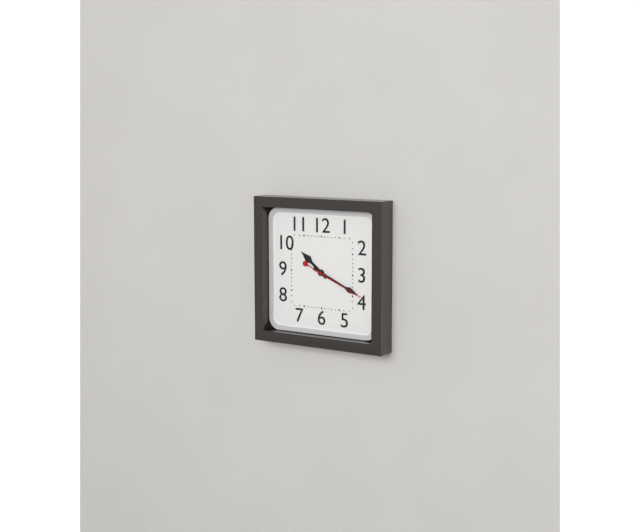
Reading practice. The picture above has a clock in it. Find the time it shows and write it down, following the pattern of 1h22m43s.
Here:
10h19m19s
